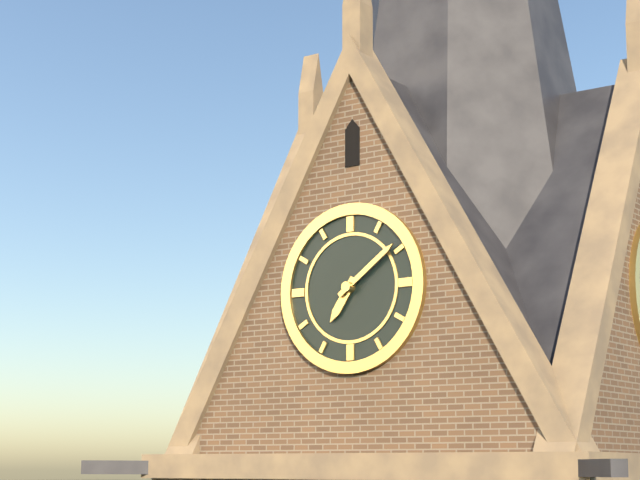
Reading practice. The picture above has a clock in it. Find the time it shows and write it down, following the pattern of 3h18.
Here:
7h09
